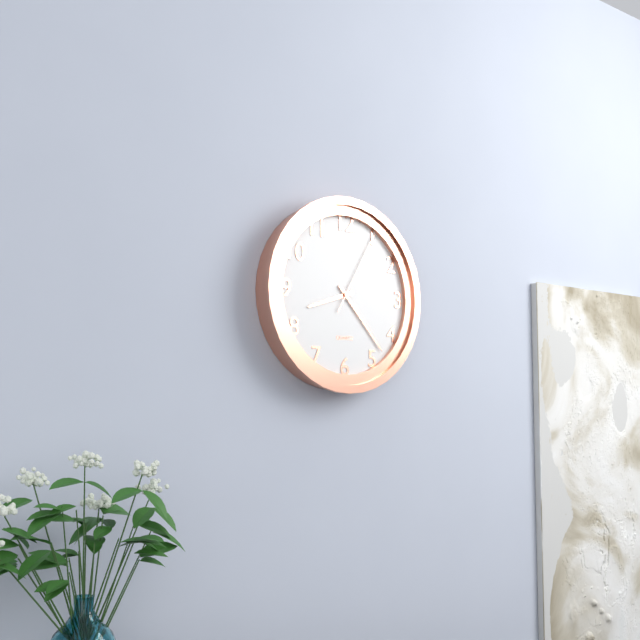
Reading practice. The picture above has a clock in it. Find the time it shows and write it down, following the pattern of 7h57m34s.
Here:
8h23m05s
